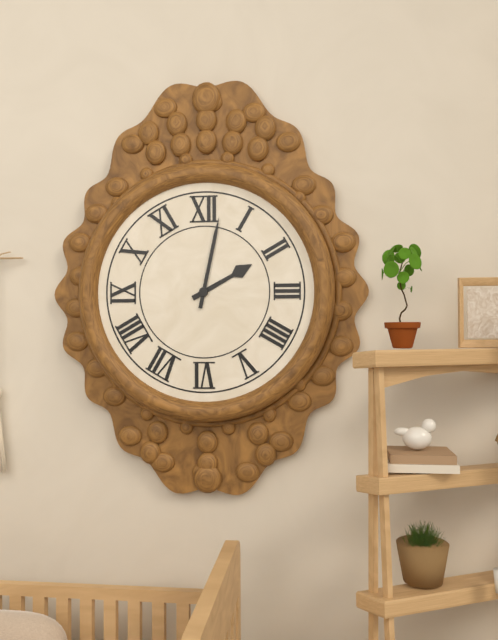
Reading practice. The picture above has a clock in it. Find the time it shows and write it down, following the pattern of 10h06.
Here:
2h02
